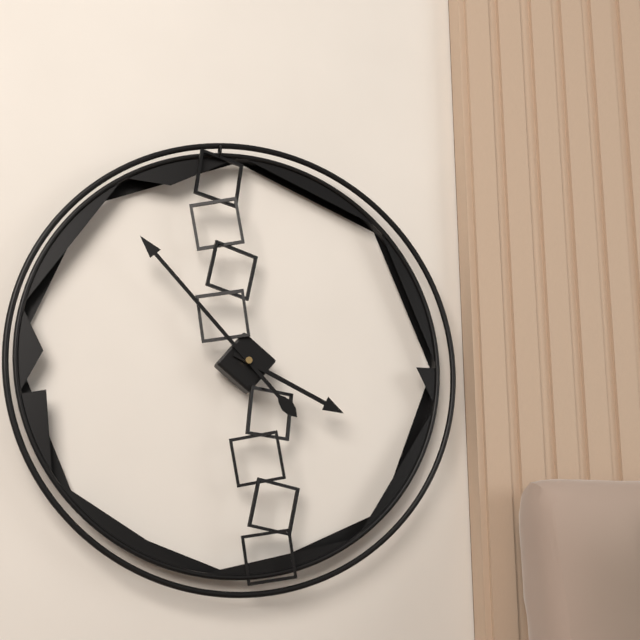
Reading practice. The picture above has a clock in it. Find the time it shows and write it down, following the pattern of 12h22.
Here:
3h53
